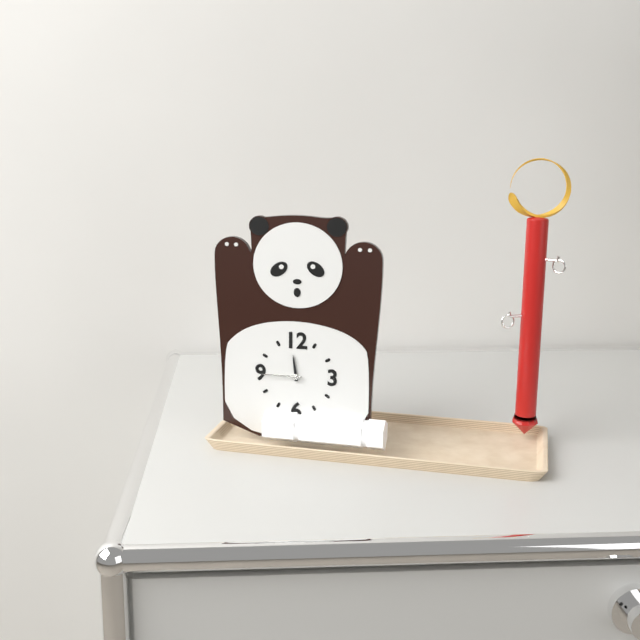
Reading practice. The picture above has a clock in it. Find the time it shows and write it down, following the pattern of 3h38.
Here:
11h45
